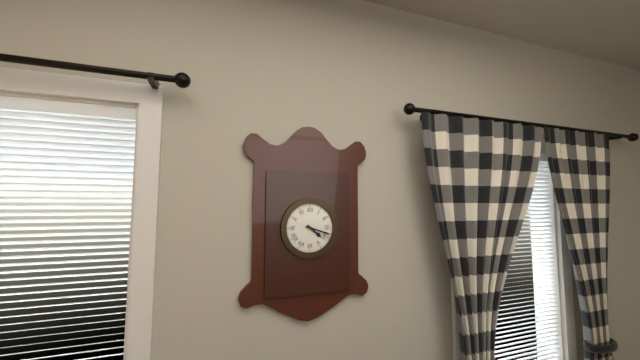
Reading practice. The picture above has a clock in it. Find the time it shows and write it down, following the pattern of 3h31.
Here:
4h18
